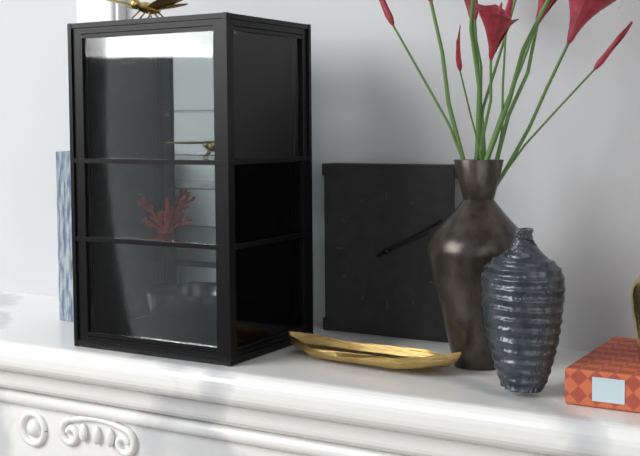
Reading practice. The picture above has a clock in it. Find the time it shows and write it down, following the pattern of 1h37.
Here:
2h10
